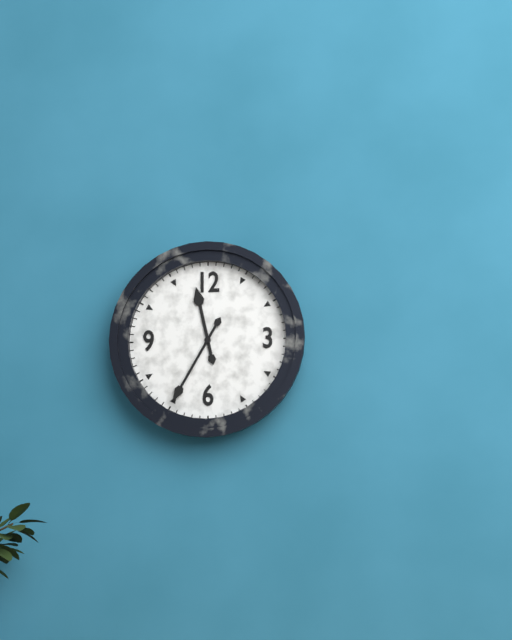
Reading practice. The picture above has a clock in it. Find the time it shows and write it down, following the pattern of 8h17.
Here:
11h35
